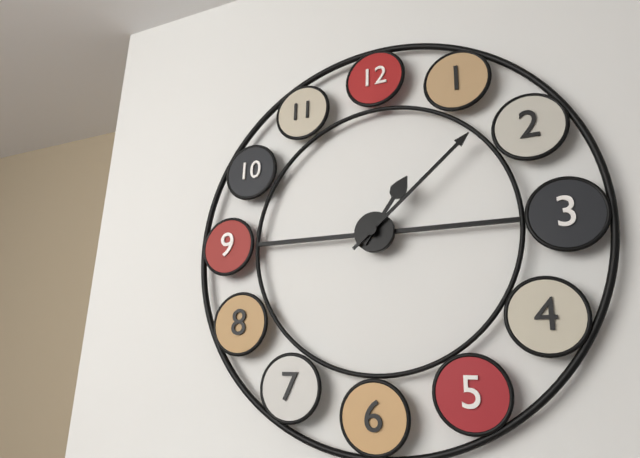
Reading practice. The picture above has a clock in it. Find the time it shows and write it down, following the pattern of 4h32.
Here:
1h08
